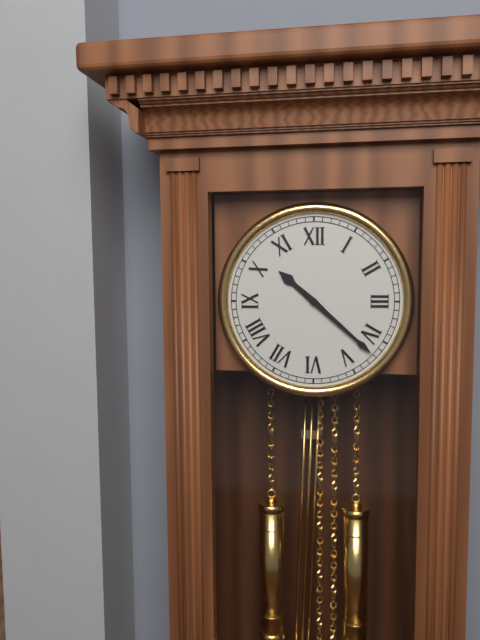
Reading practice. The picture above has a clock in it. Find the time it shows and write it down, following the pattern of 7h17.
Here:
10h22
